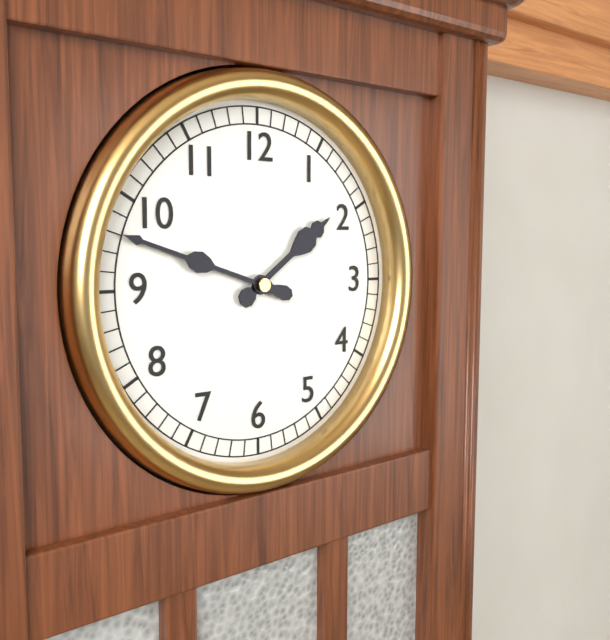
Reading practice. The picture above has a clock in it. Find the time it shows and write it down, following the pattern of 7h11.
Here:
1h48
